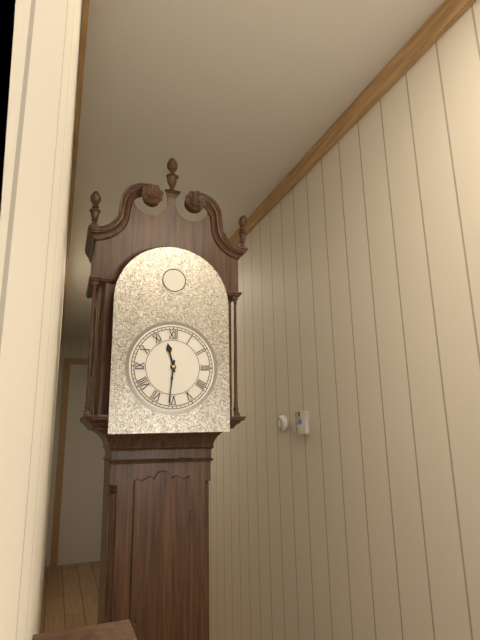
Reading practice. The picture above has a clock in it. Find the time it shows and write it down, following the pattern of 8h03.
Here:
11h31
